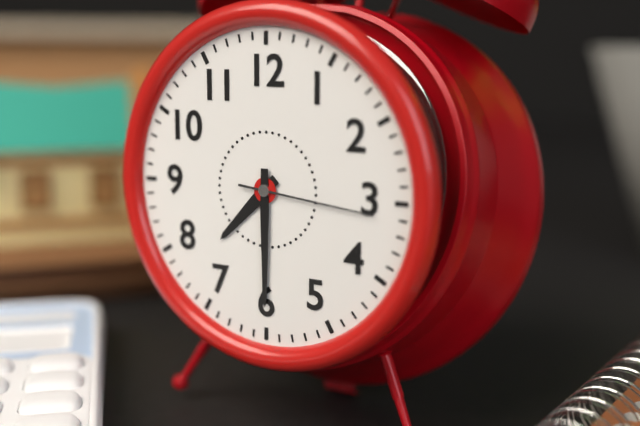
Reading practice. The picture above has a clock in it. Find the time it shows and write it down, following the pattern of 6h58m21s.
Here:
7h30m16s
